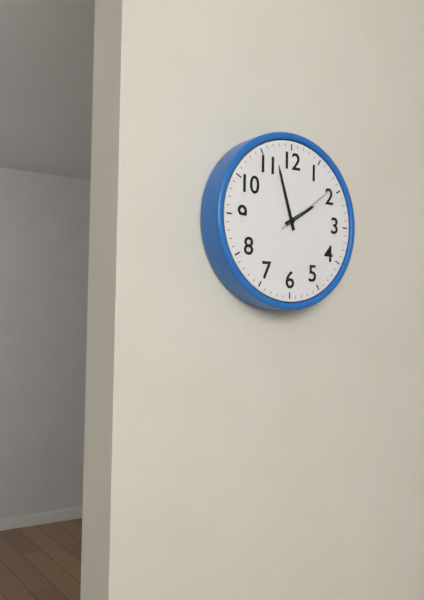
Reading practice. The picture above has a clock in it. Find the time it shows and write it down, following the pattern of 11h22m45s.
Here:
1h57m09s
